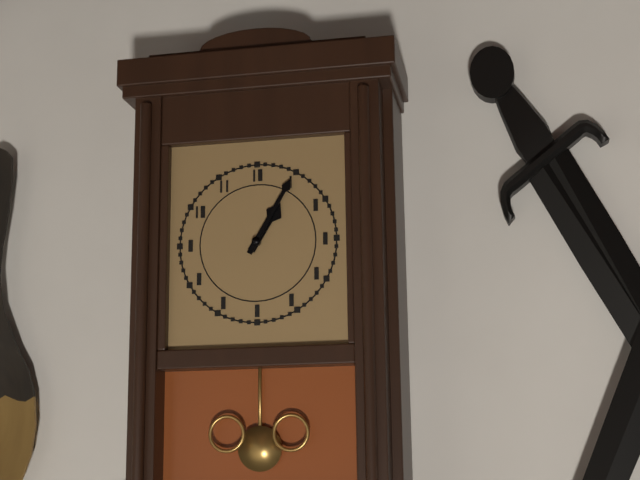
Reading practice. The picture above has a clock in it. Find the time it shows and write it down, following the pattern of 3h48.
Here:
1h05
